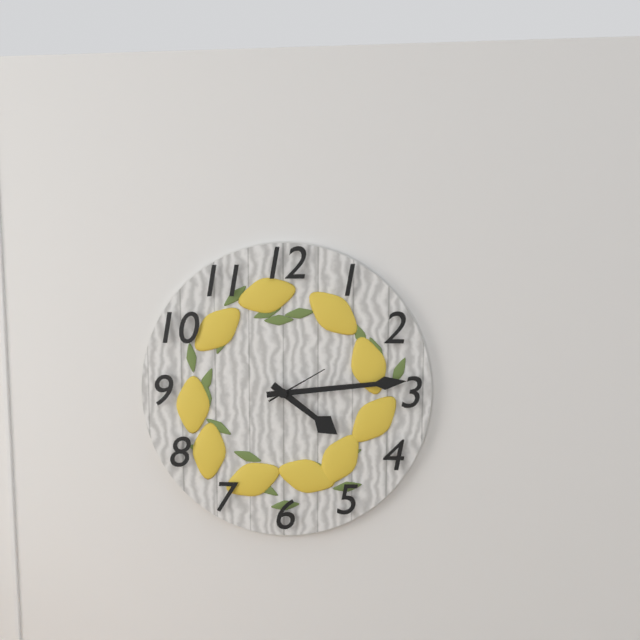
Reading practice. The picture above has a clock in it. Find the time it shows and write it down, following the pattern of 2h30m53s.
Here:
4h14m10s
